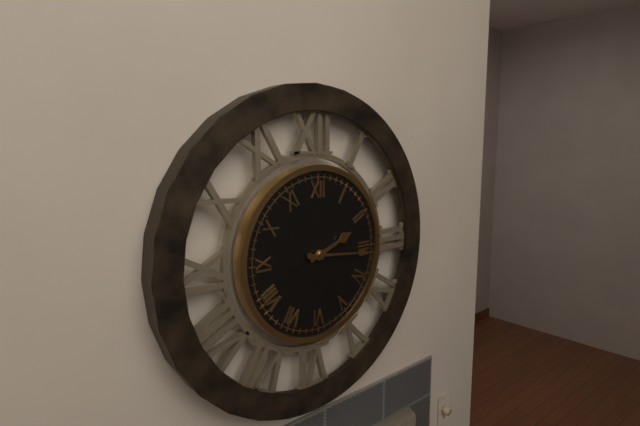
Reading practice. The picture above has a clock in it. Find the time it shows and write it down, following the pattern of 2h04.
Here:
2h16
